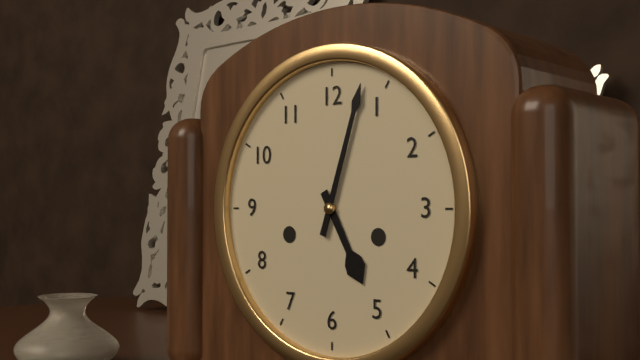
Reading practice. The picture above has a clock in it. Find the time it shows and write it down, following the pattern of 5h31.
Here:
5h03
